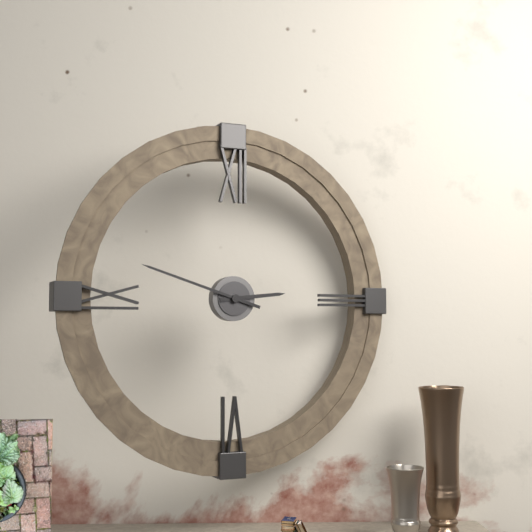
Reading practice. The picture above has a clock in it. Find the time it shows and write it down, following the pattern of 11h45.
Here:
2h48
